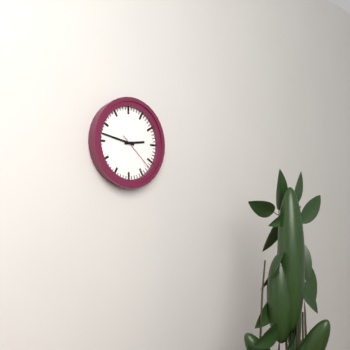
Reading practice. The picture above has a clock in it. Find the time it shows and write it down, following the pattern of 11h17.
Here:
2h47
